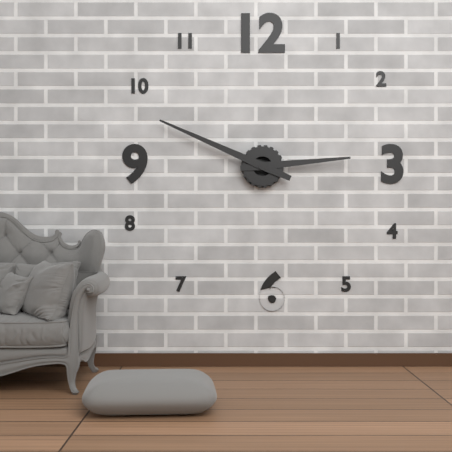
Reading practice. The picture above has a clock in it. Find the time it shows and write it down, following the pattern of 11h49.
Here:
2h49
